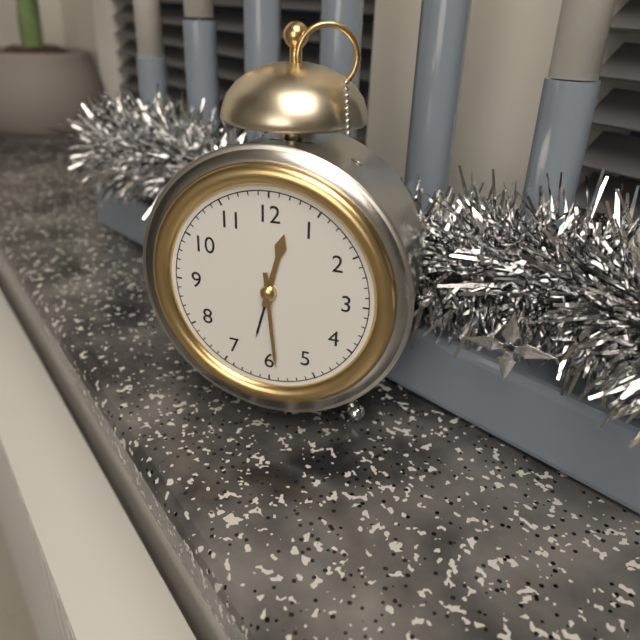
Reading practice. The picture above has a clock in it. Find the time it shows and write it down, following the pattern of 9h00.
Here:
12h29
